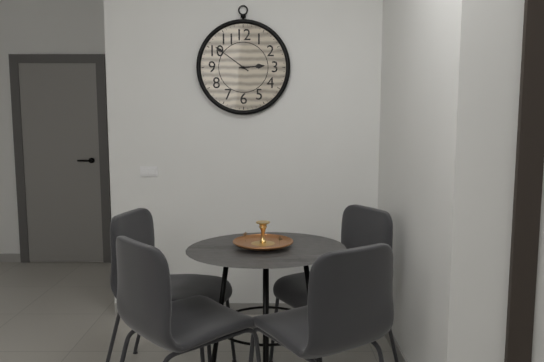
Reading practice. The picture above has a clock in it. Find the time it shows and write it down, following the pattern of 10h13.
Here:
2h51
